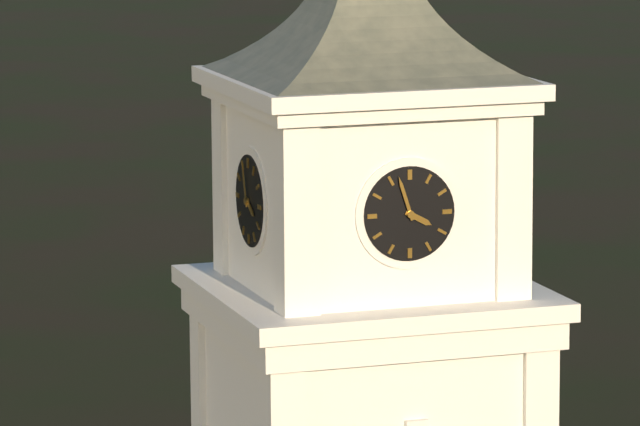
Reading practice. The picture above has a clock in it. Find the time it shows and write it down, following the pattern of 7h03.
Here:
3h57
